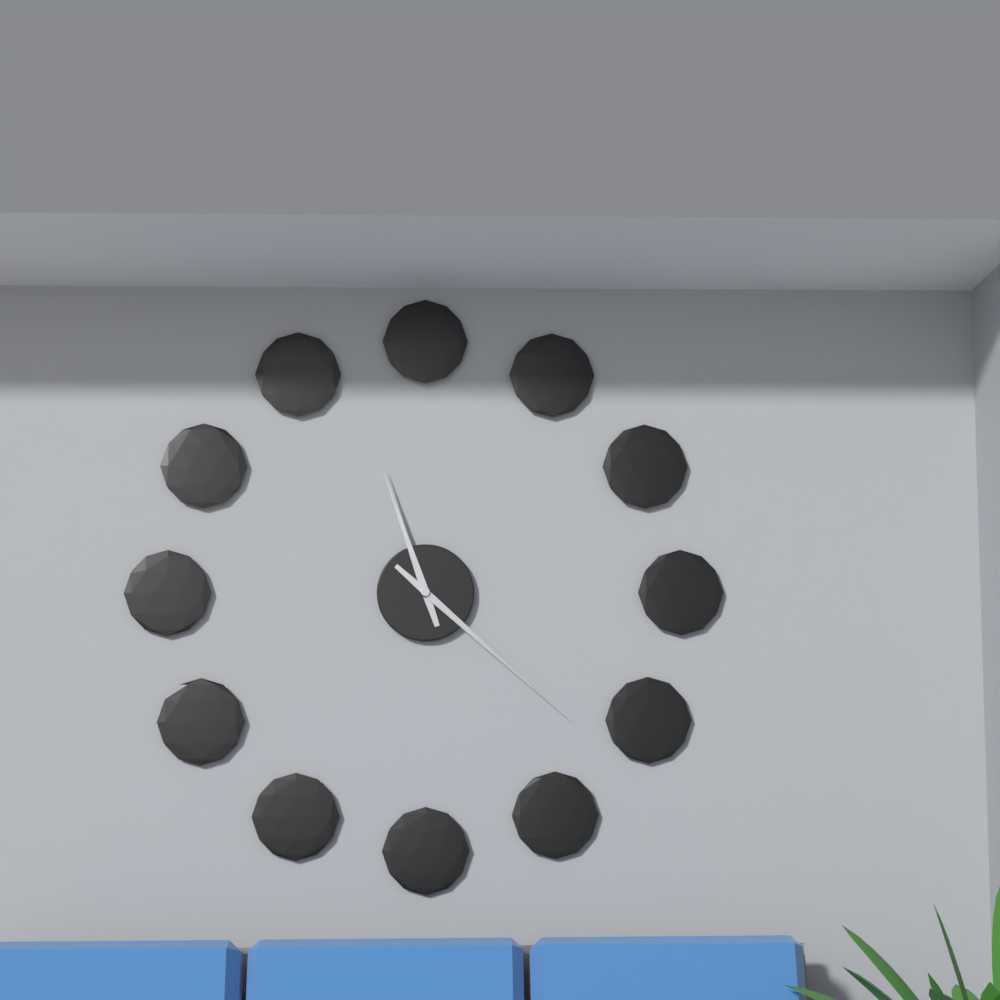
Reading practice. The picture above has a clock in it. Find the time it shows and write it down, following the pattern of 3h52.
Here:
11h22
